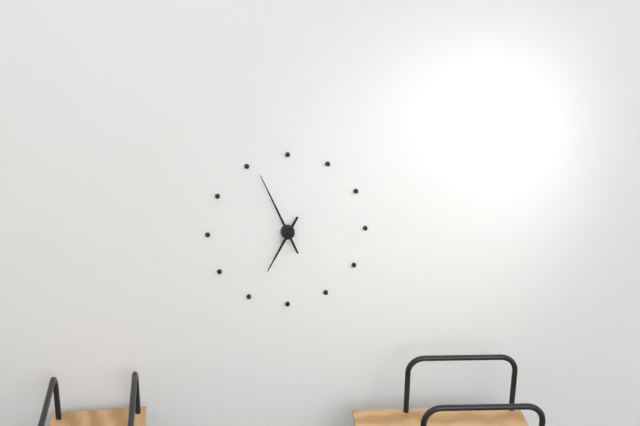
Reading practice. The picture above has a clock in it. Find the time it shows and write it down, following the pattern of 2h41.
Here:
6h56
